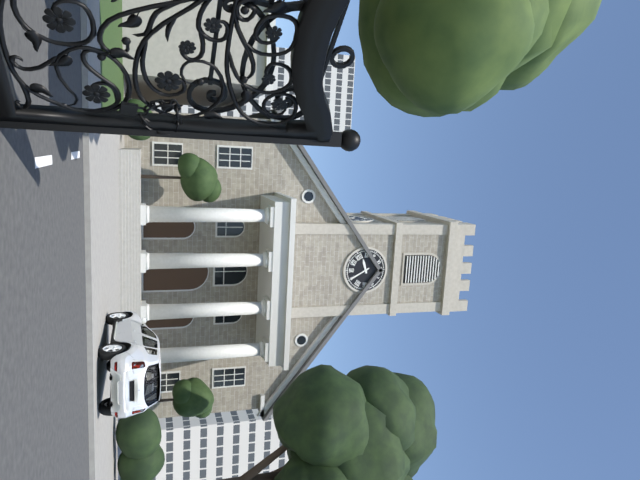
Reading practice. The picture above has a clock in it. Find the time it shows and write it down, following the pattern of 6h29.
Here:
8h25
